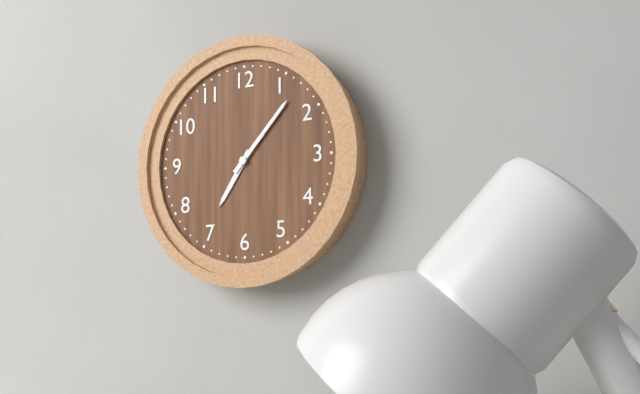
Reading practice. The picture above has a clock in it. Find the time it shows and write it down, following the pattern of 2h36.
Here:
7h07
